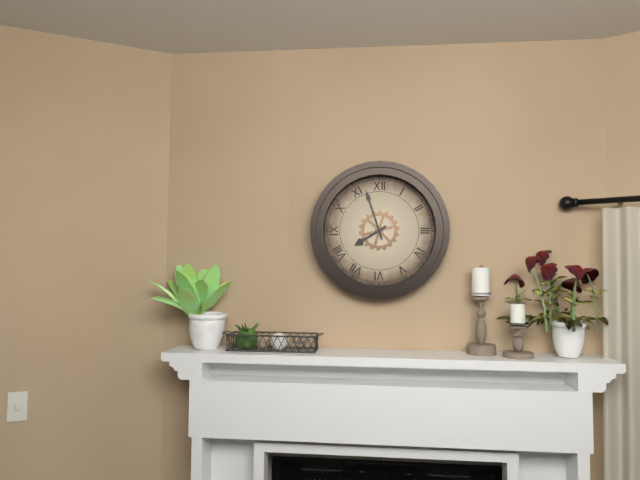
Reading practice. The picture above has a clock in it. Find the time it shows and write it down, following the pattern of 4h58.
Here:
7h57
